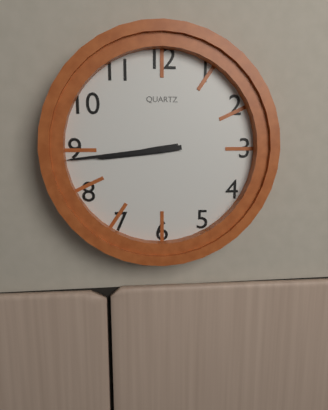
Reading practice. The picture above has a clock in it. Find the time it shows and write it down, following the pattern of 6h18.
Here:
8h44
